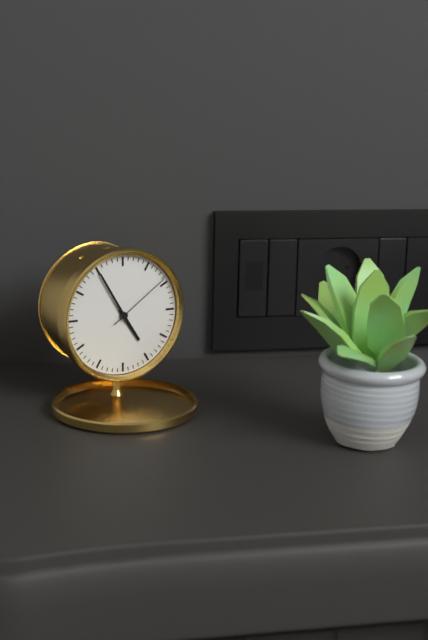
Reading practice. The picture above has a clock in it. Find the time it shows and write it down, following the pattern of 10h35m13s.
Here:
4h55m09s
